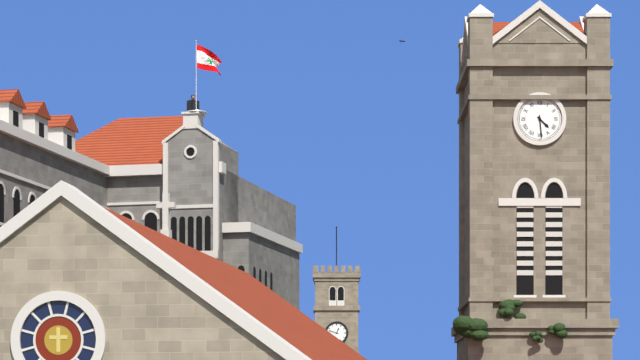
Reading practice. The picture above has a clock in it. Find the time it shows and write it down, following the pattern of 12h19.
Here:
4h29
